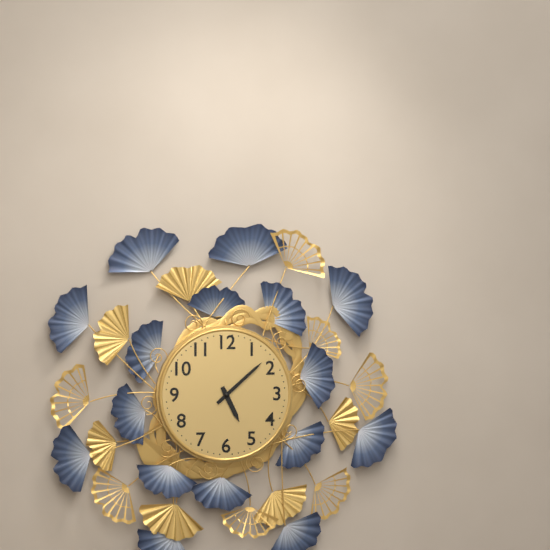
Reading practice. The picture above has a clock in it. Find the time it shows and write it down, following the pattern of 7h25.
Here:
5h08
